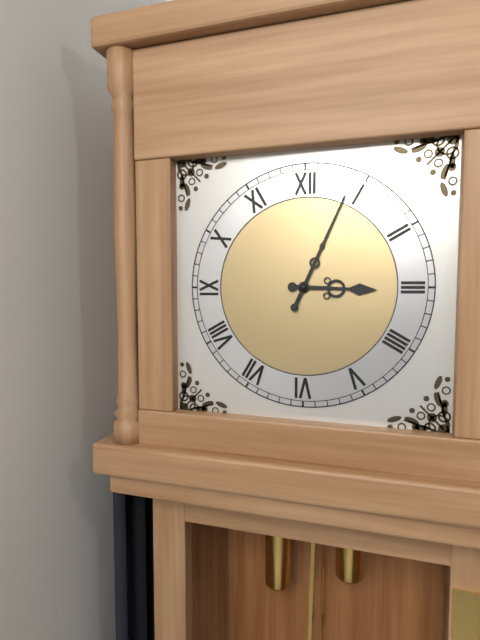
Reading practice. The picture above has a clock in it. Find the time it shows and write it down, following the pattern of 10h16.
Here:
3h04
